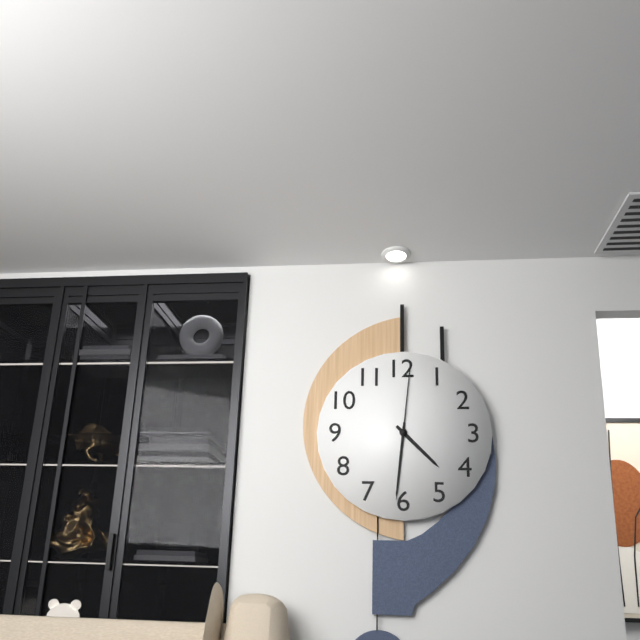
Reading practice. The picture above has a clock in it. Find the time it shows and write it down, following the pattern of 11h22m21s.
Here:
4h31m01s
